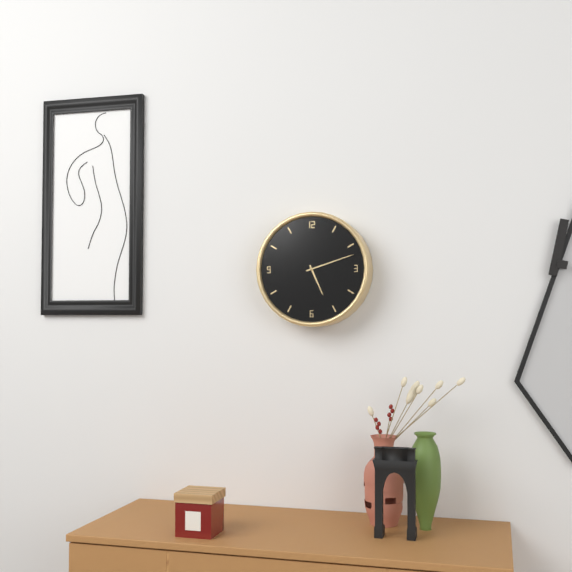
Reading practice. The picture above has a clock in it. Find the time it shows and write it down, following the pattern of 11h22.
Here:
5h12
